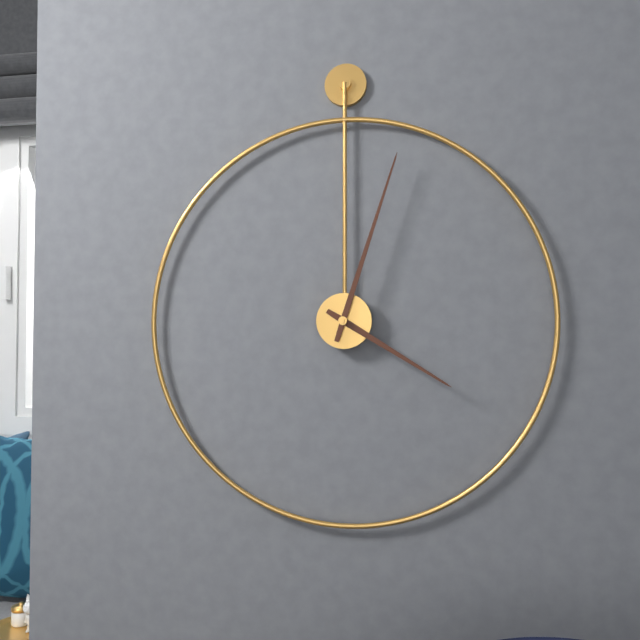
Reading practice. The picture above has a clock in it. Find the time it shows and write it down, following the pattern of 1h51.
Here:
4h03
